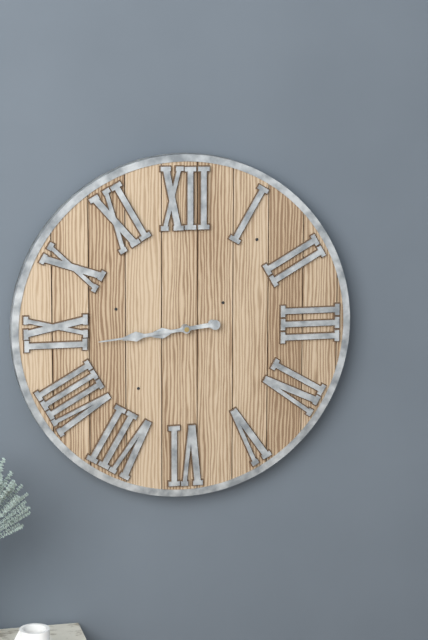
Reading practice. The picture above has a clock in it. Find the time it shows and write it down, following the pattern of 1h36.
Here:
8h44
